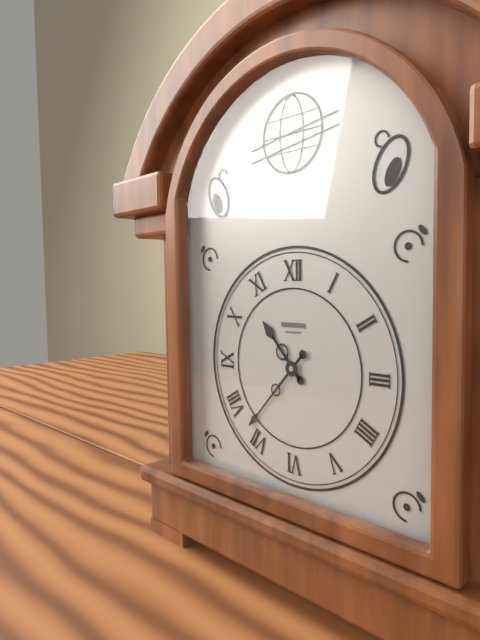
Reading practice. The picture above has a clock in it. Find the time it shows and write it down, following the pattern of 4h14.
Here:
10h37
